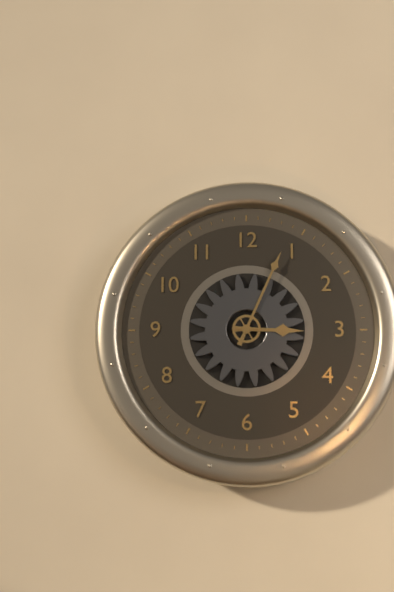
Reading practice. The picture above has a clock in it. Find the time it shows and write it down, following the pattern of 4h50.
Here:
3h04
